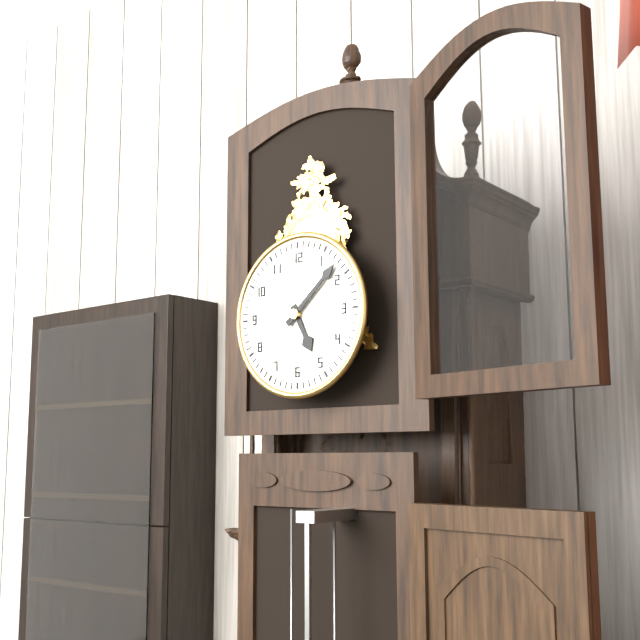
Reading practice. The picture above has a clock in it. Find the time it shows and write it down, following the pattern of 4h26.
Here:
5h08
